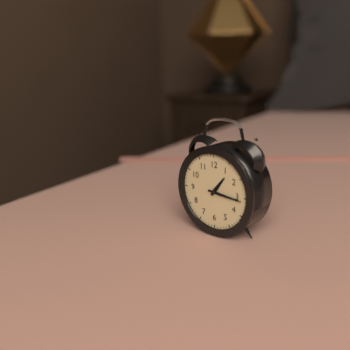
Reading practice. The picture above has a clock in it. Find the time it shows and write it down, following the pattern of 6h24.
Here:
1h16
